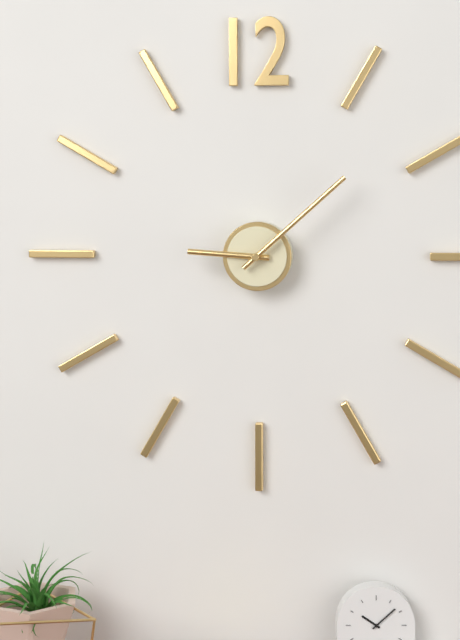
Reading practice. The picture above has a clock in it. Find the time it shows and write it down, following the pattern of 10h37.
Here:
9h08
